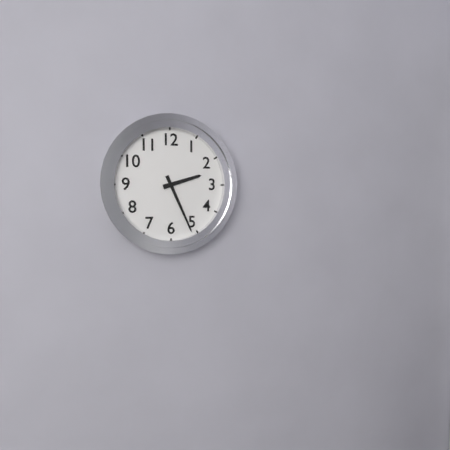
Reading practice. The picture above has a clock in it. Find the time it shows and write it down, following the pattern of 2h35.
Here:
2h26
